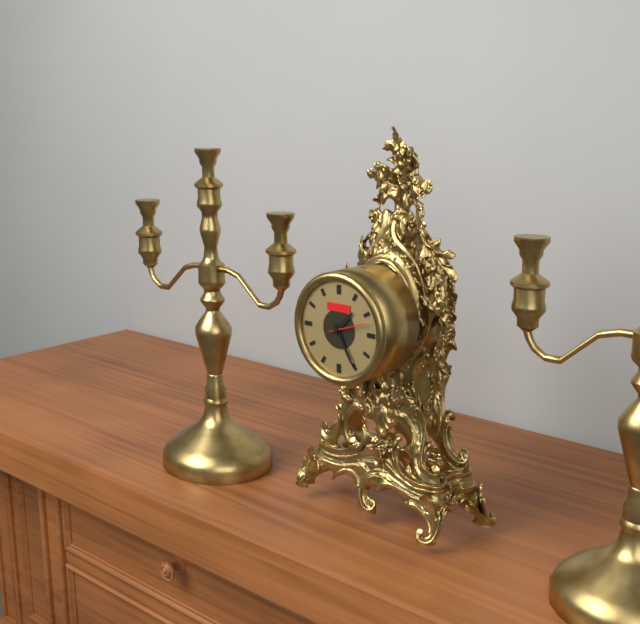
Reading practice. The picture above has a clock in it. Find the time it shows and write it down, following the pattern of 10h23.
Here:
1h25
